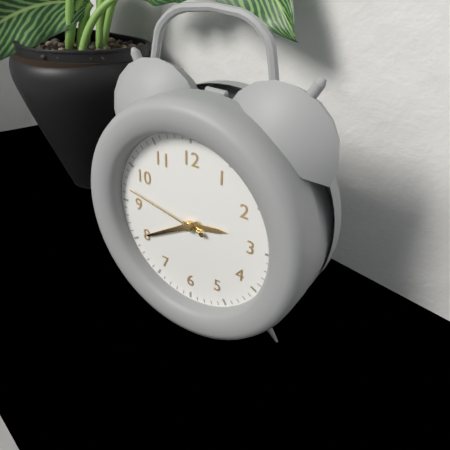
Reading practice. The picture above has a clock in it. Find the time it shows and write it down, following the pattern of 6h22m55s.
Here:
2h40m47s
